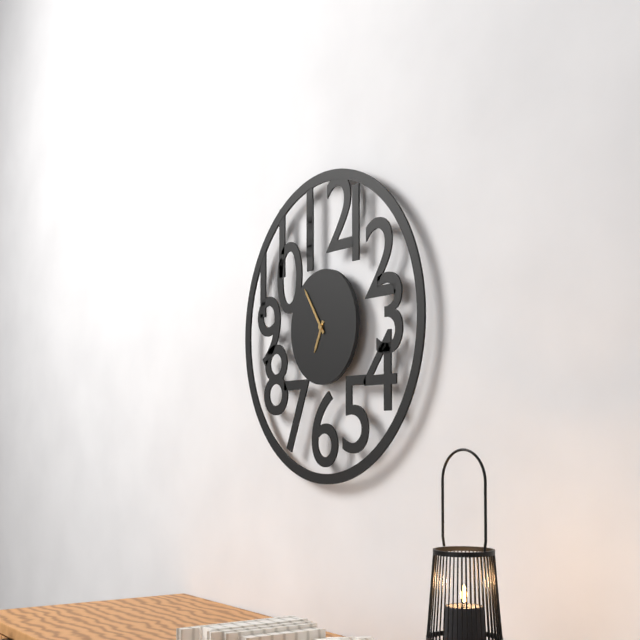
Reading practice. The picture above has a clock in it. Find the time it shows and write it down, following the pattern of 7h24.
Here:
6h54
